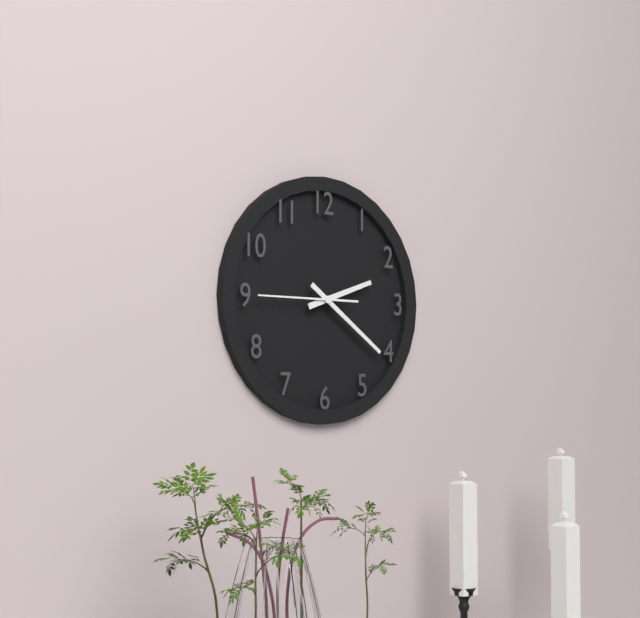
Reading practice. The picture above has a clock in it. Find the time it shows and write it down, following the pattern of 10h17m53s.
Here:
2h21m45s
